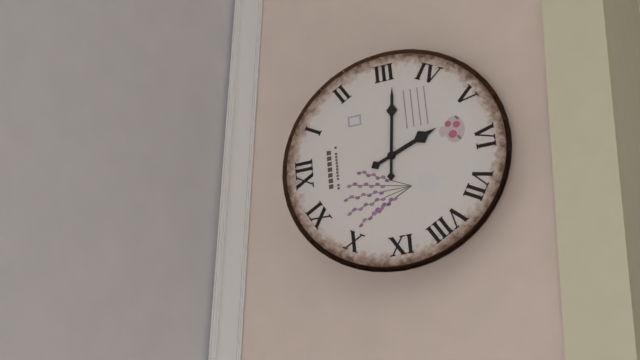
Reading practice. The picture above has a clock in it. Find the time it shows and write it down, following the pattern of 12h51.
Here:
5h16
